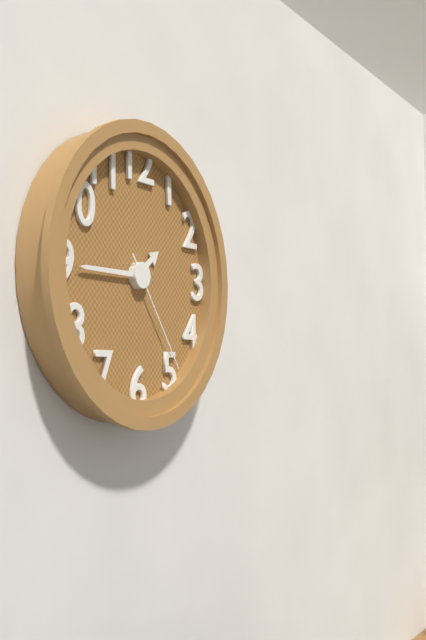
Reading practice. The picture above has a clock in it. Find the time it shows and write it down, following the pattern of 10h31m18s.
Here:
1h45m24s
